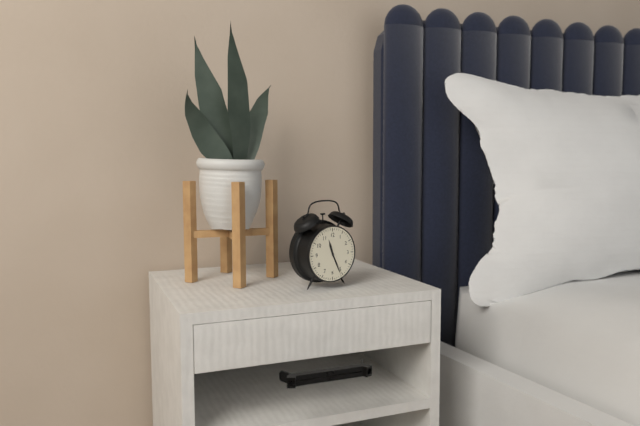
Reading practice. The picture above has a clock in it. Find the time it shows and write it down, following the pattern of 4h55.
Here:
11h26
